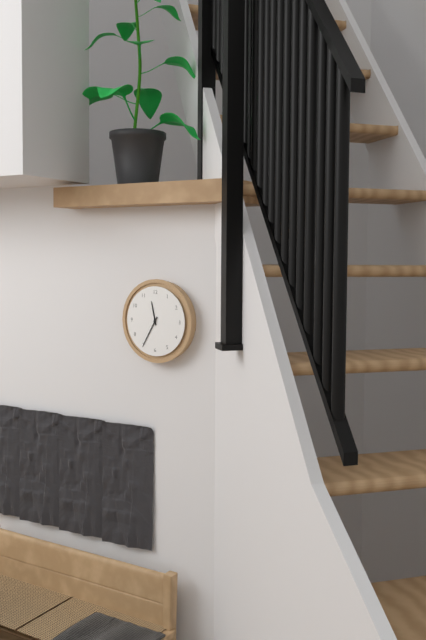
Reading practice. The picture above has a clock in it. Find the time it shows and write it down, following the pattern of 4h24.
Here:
11h35
